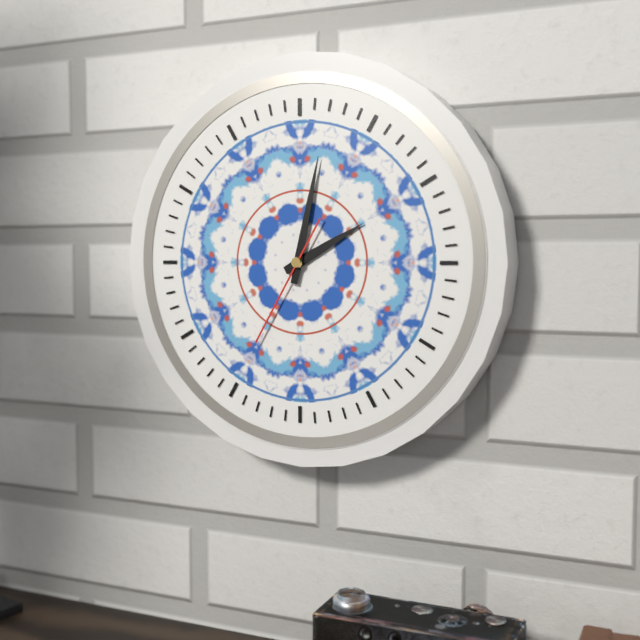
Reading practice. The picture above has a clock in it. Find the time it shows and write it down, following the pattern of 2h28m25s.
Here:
2h02m35s
